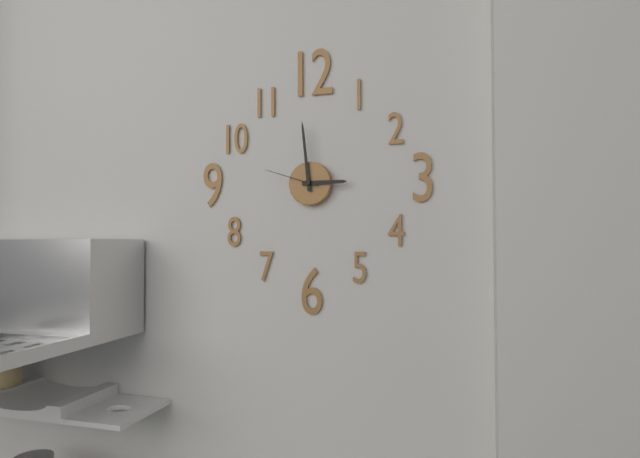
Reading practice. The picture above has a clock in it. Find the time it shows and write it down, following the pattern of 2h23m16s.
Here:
2h59m48s
